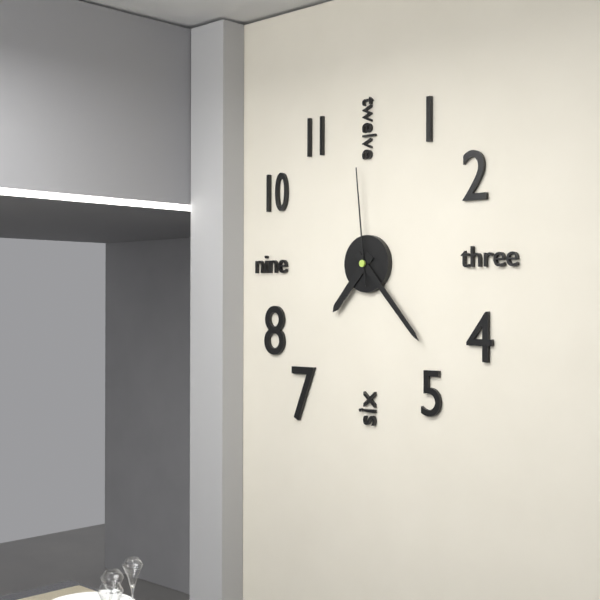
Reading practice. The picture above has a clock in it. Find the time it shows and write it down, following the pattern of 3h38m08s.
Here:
7h23m59s
